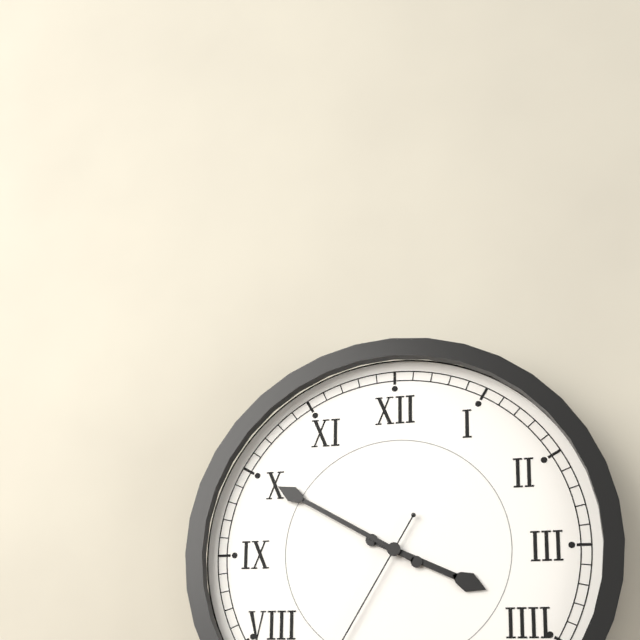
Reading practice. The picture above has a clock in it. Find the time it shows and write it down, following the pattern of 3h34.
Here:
3h50
